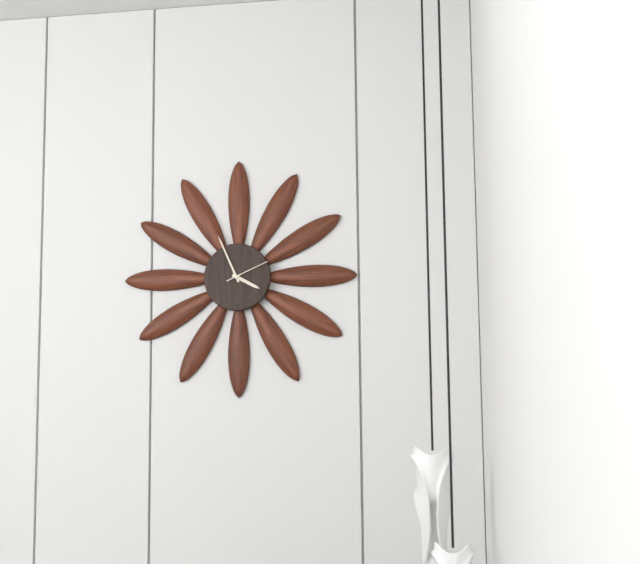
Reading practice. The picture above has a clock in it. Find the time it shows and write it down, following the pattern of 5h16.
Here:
3h56
